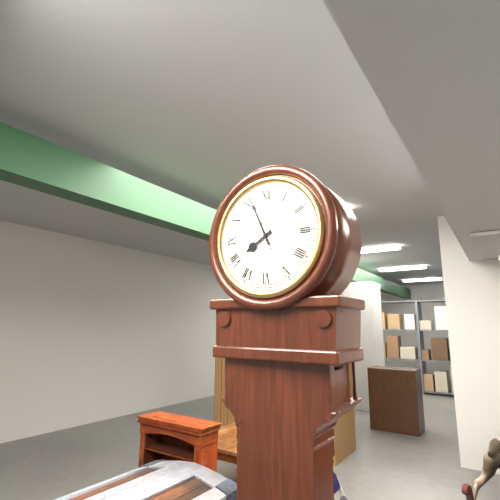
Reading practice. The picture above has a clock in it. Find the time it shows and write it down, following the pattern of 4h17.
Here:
7h56
